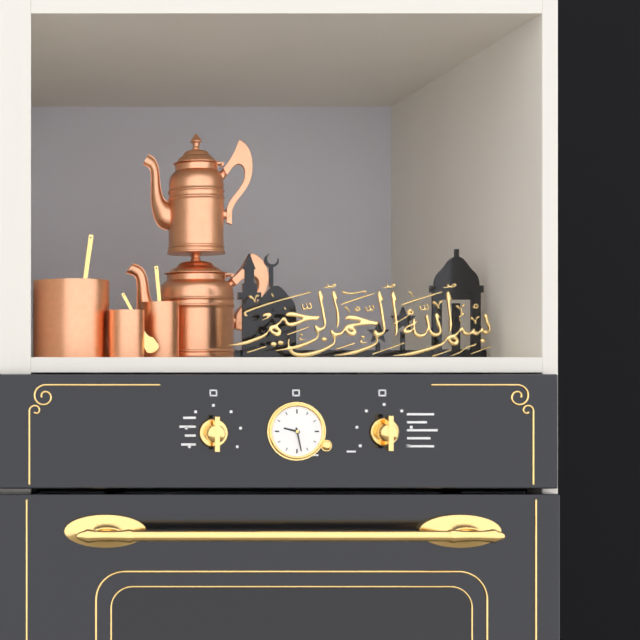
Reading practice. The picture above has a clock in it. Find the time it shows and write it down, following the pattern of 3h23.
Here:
9h28
